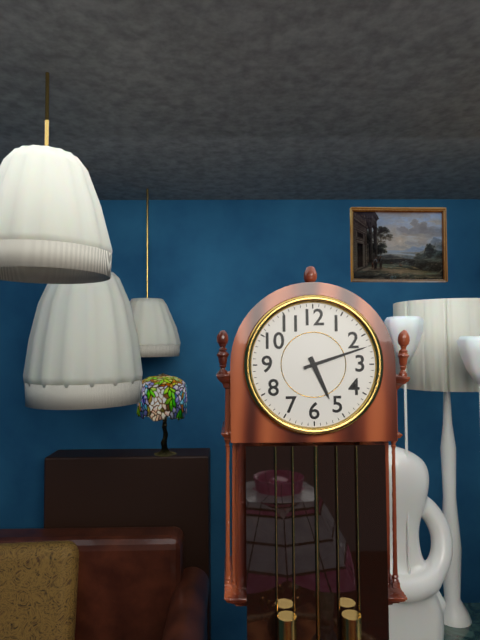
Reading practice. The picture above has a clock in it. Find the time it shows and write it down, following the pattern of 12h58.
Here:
5h12
